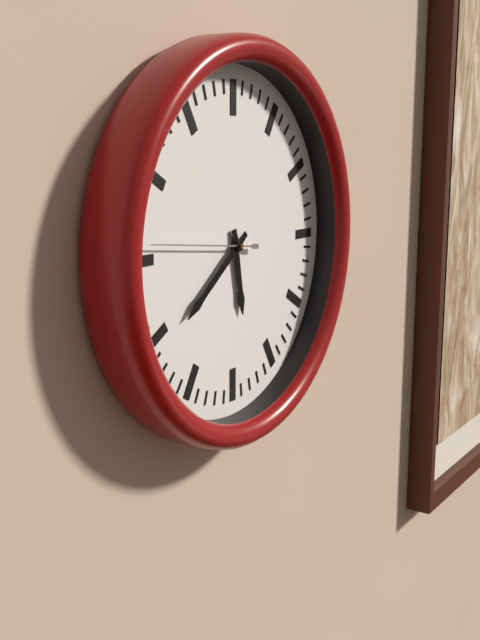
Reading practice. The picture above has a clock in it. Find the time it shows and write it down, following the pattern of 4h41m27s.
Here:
5h39m46s
